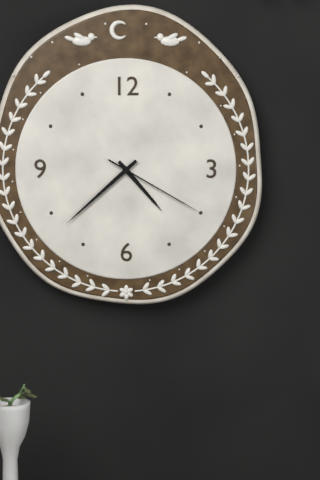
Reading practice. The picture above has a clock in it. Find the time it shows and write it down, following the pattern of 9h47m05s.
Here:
4h38m20s
